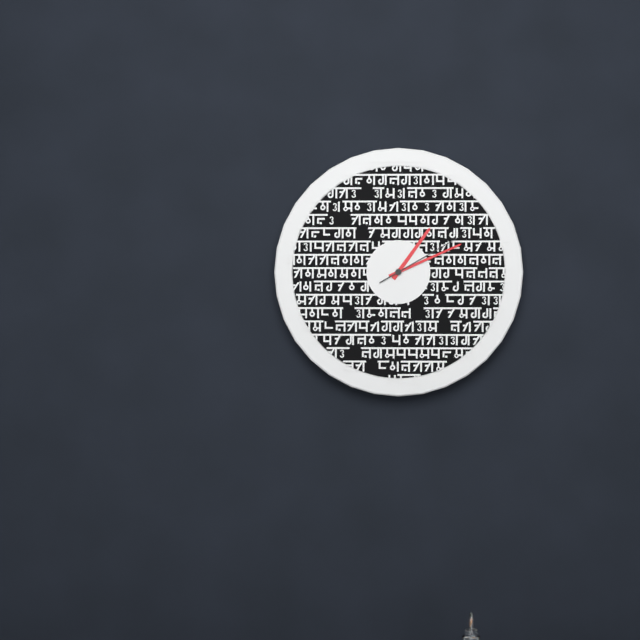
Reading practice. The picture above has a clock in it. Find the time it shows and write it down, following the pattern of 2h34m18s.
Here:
1h11m10s
